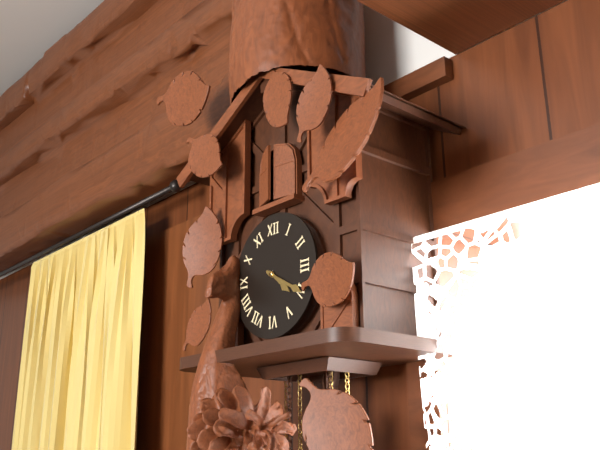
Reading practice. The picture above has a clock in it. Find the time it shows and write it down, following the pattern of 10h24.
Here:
4h20
